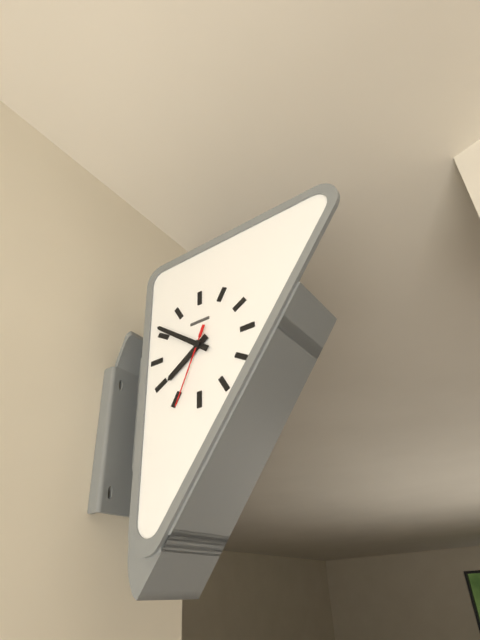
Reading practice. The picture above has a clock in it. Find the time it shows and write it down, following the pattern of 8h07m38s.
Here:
7h51m34s
